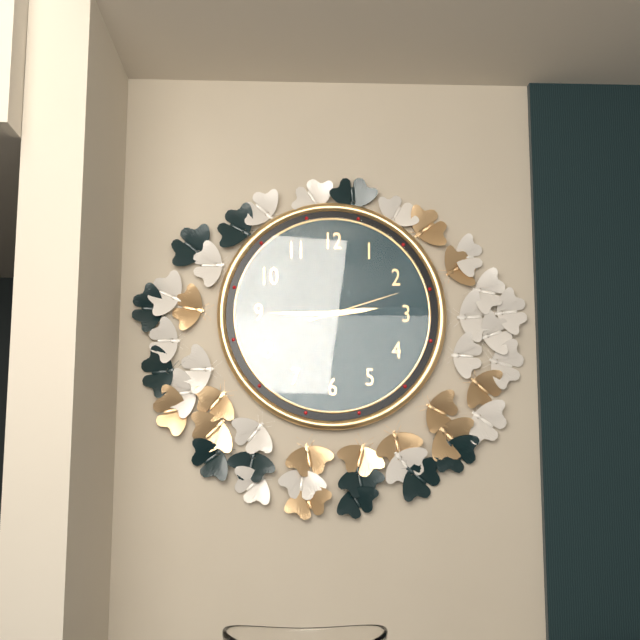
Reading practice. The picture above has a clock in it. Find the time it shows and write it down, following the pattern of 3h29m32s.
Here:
2h45m12s
